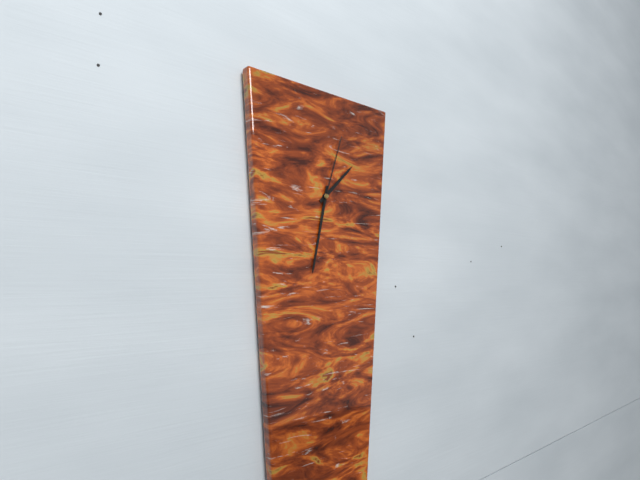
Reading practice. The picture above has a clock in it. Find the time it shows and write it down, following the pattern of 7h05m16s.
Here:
1h32m03s
